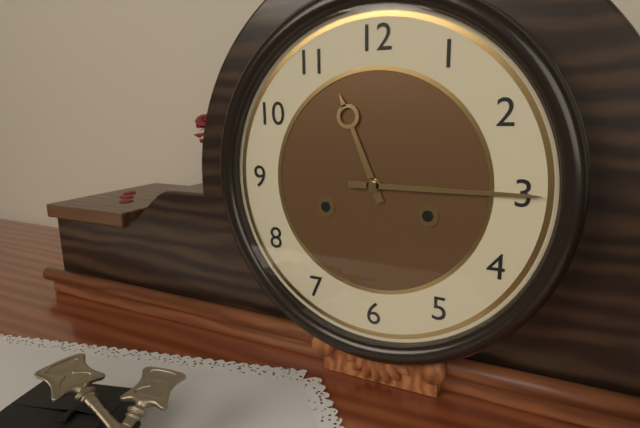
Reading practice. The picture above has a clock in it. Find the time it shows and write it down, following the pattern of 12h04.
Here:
11h15
